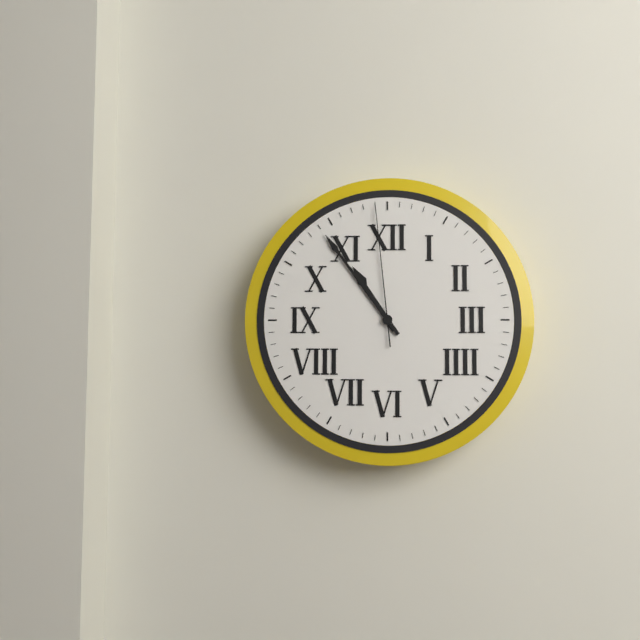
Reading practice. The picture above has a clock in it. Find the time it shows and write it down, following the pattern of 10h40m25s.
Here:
10h54m59s
